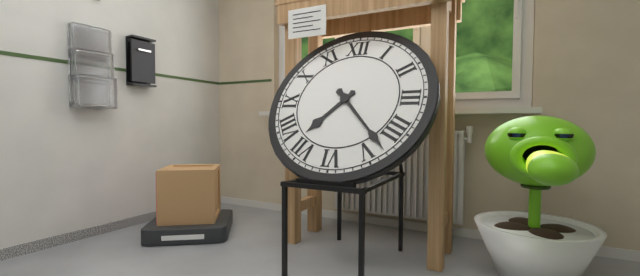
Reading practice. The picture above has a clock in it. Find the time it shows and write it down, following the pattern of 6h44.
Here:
7h23
